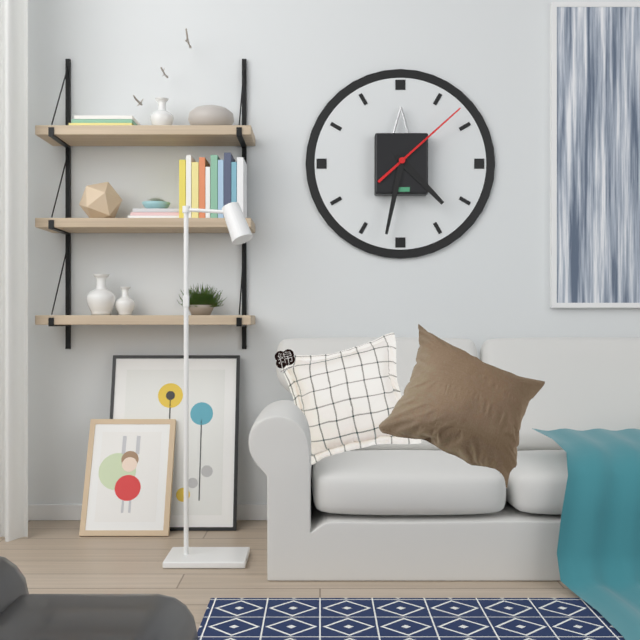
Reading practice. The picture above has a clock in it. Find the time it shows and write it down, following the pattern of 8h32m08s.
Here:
4h32m08s
